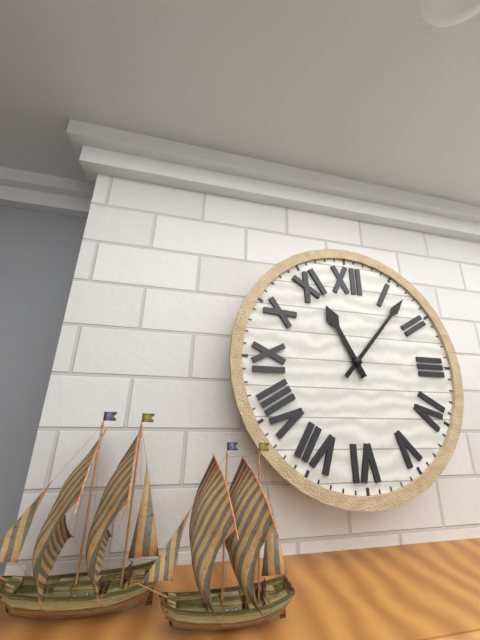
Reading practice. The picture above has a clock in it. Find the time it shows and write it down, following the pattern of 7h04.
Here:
11h07
